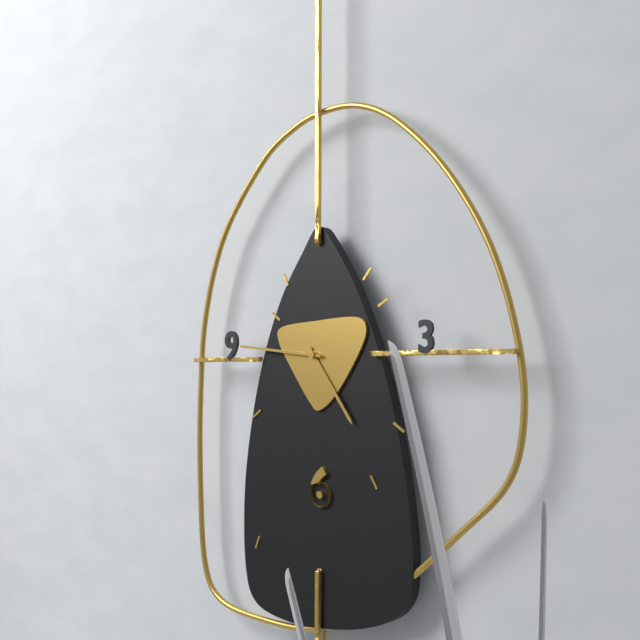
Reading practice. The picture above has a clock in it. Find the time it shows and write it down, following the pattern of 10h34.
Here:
4h46
